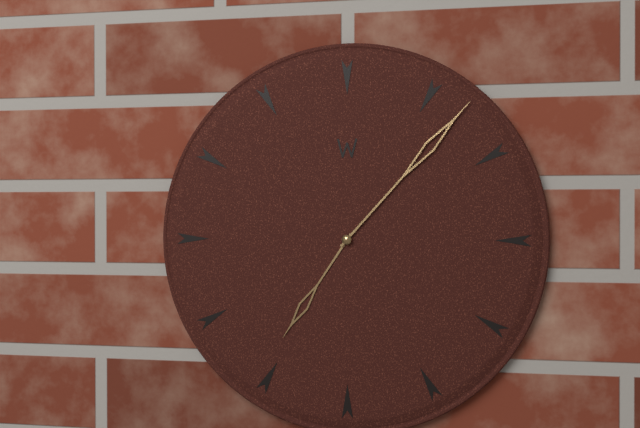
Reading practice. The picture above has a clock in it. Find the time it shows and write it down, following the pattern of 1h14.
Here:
7h07
